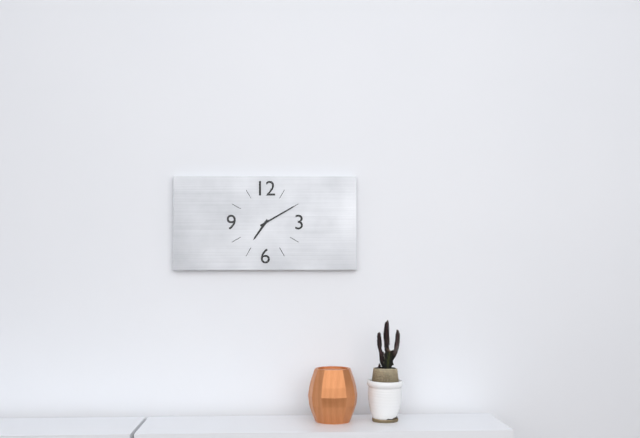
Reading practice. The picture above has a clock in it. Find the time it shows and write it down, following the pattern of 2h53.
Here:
7h10
